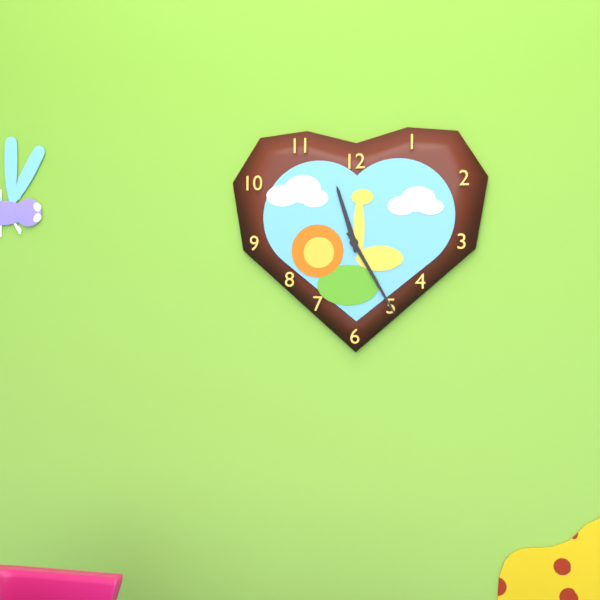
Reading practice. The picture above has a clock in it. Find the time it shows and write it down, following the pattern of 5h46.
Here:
11h25
